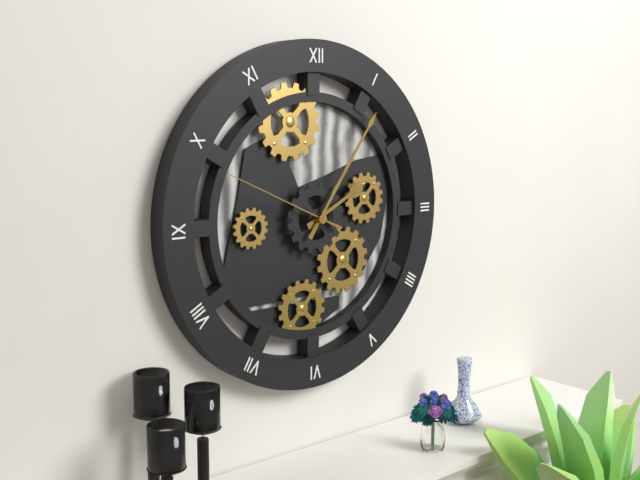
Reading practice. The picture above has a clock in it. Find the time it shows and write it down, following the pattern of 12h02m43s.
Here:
2h06m49s
